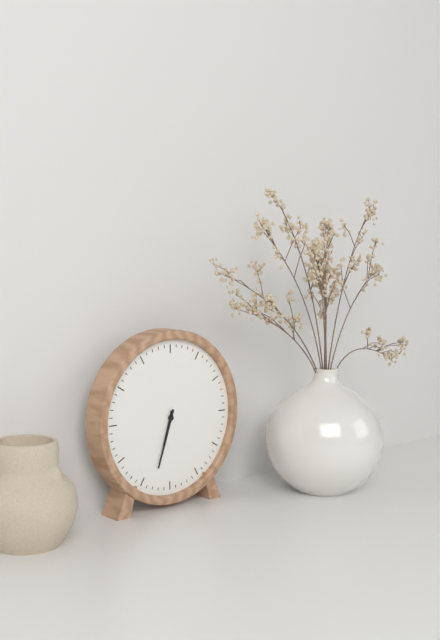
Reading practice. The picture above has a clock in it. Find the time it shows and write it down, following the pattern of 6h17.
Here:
6h33
